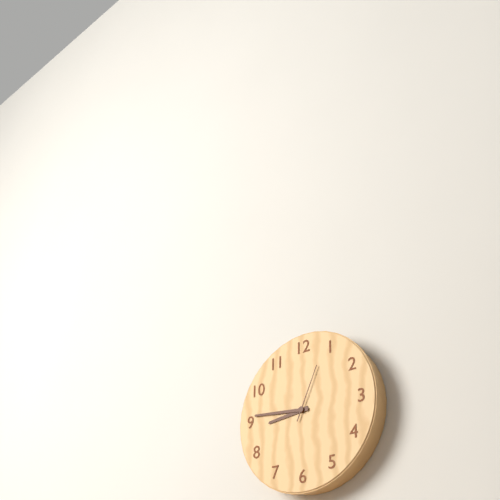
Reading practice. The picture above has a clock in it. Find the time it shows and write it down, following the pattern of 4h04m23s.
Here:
8h46m04s
